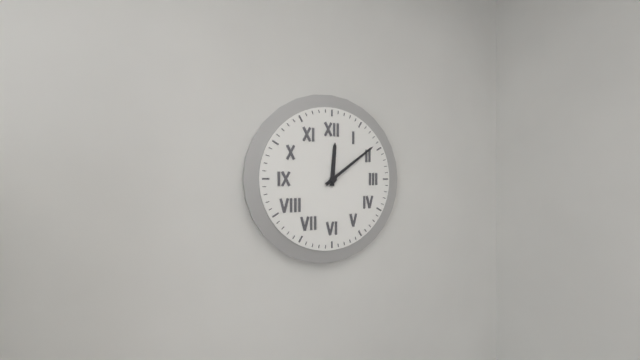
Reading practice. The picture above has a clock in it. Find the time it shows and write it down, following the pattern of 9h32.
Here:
12h09
